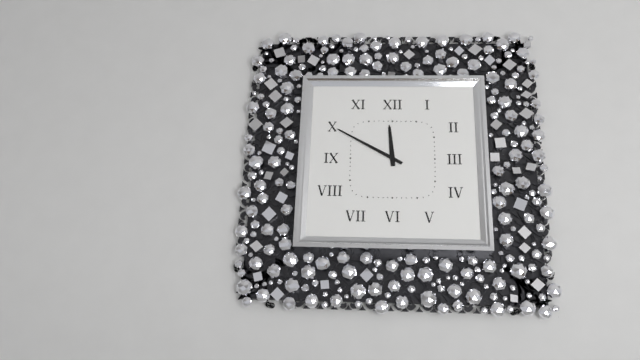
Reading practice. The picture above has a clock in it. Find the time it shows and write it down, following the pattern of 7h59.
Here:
11h50
